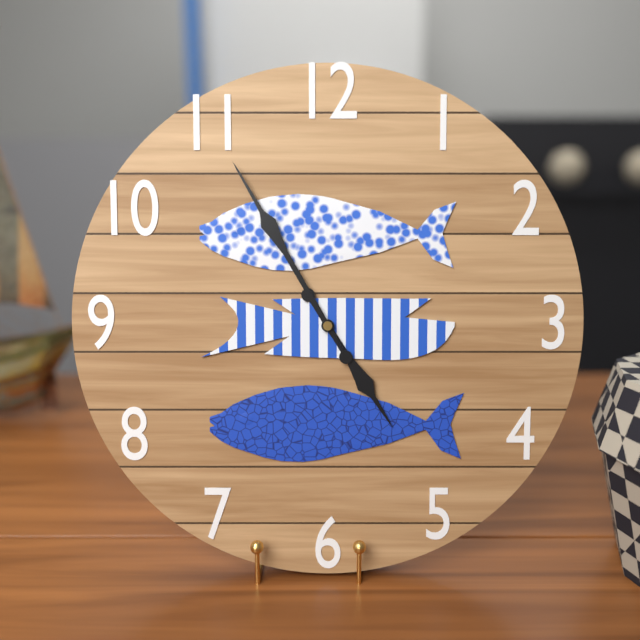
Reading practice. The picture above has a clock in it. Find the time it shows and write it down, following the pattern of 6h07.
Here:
4h55
